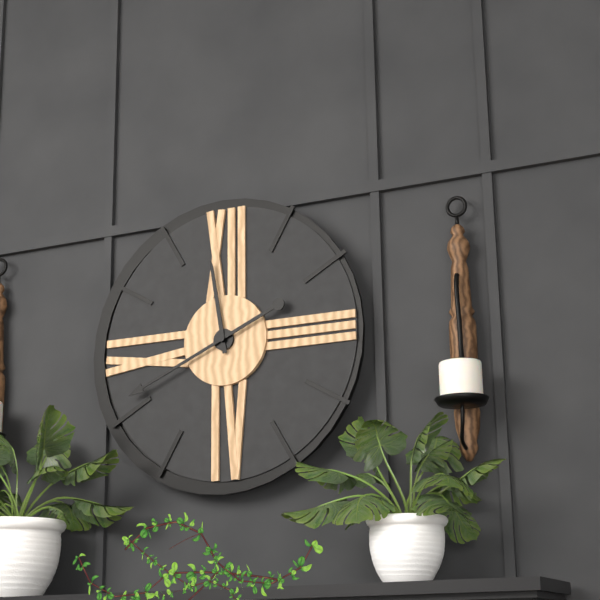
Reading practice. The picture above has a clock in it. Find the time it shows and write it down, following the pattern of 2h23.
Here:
11h41
